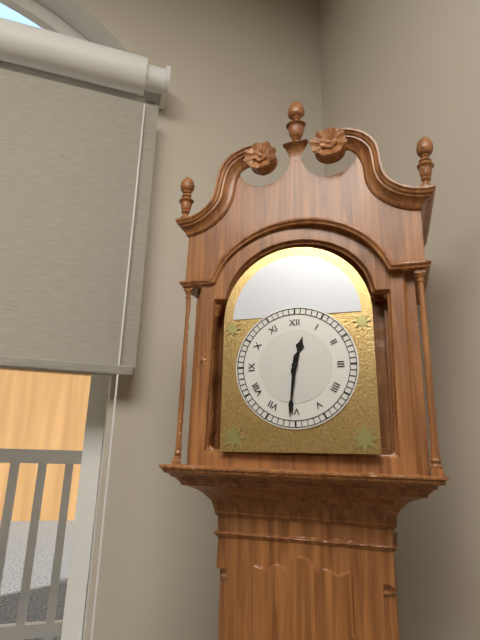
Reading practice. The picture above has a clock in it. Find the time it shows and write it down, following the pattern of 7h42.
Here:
12h31
